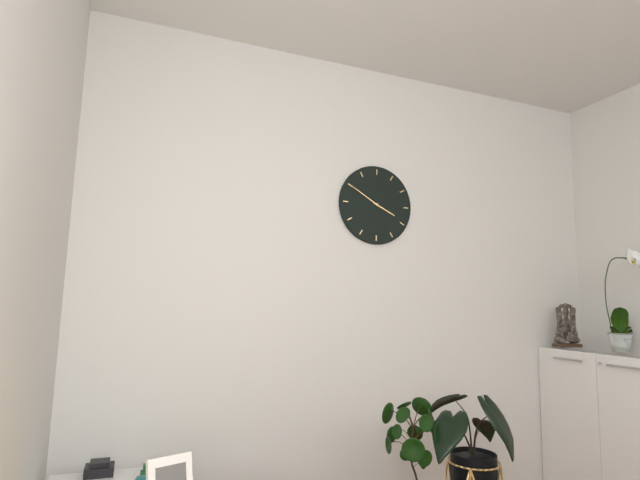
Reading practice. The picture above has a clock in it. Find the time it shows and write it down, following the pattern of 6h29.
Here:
3h50
